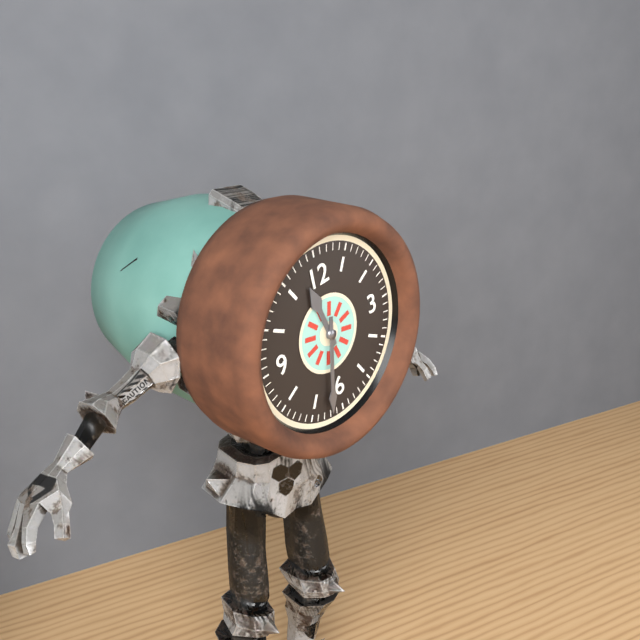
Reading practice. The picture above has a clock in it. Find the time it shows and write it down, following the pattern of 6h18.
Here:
11h32
